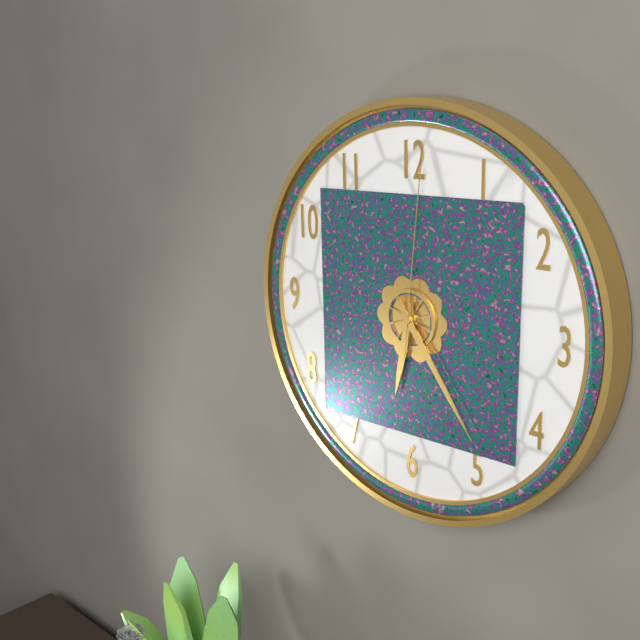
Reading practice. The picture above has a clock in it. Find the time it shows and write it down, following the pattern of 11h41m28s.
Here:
6h24m01s
